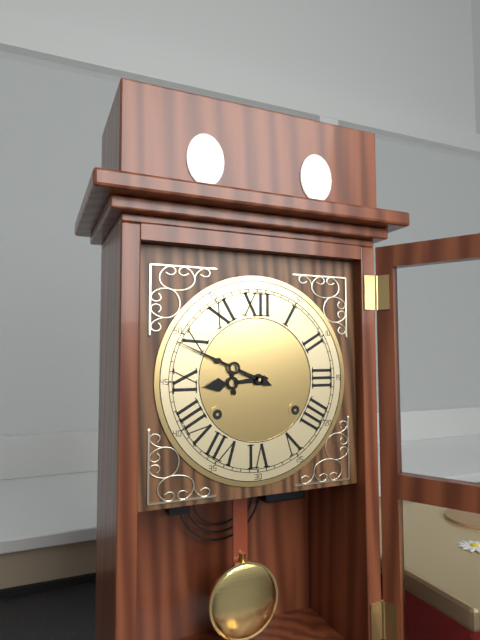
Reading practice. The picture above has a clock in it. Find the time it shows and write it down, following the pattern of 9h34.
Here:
8h49
